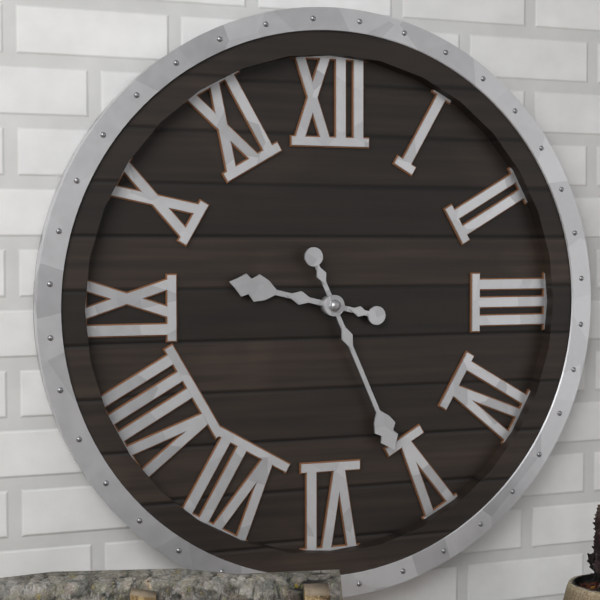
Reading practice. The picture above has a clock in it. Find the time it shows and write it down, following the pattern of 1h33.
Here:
9h26
